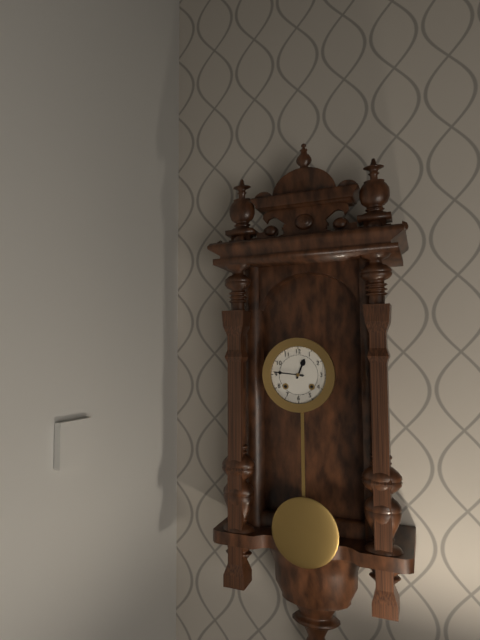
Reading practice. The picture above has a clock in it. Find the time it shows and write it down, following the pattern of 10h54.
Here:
12h46
